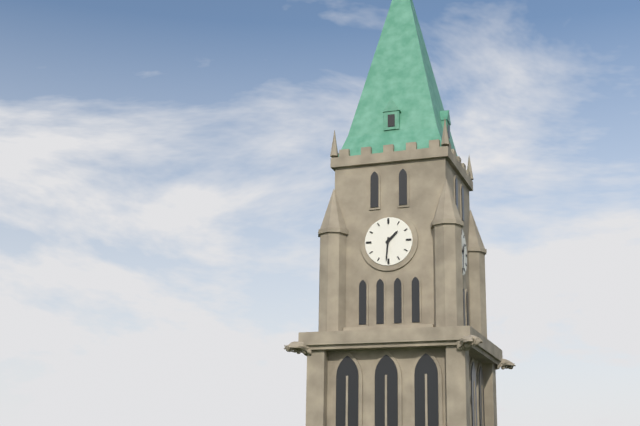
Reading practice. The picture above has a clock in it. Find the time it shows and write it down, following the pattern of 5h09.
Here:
1h31
